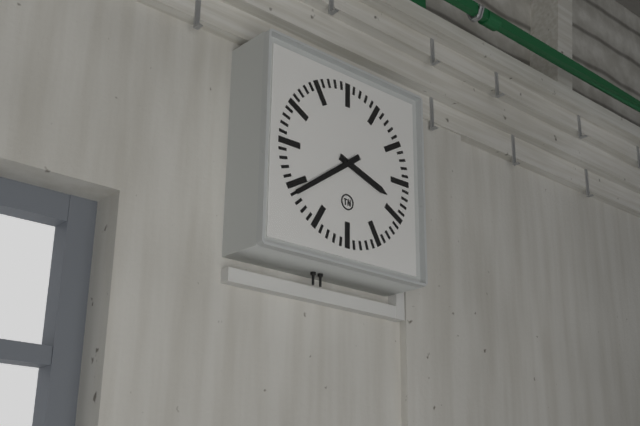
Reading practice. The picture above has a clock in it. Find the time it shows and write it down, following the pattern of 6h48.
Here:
3h39
